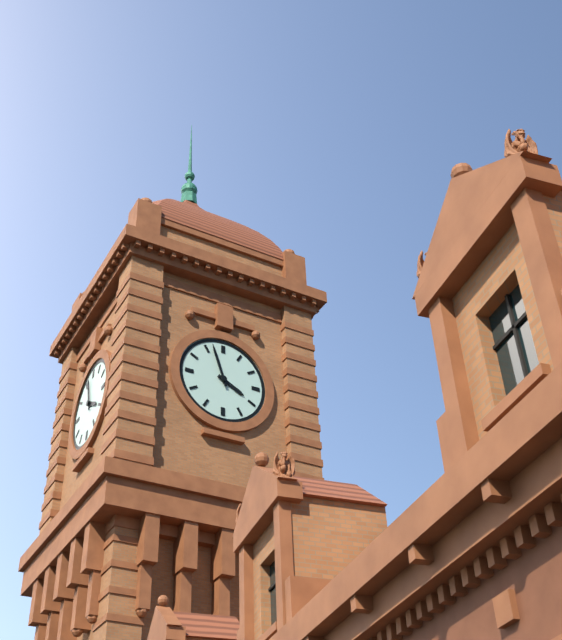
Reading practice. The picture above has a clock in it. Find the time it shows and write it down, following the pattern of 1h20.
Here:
3h57
